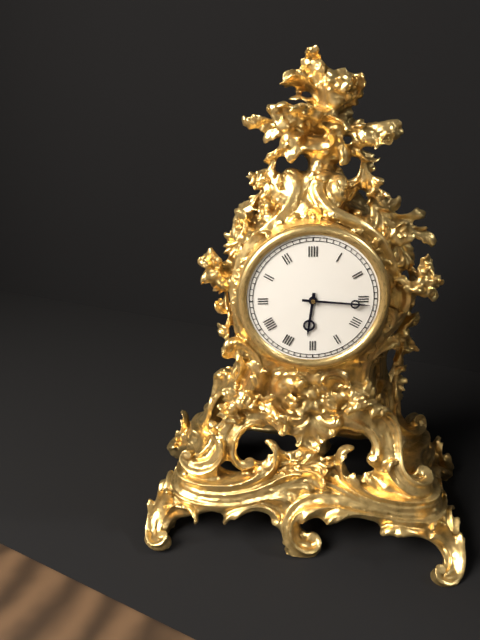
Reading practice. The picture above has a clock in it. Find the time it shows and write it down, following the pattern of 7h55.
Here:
6h16
